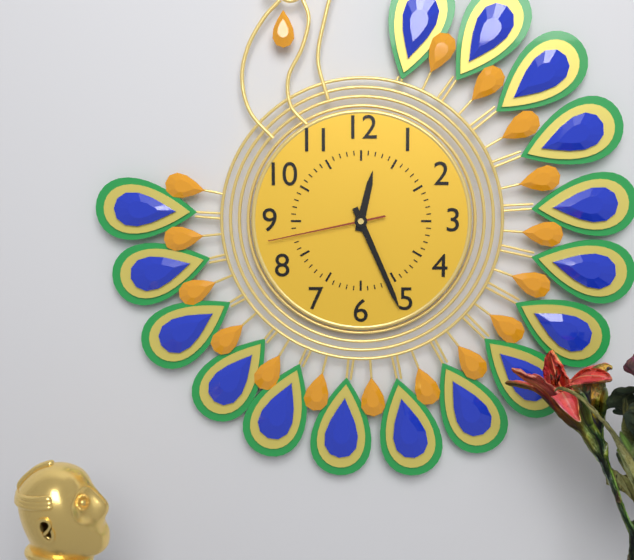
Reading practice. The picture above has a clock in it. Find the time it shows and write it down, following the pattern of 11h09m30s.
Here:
12h26m43s
